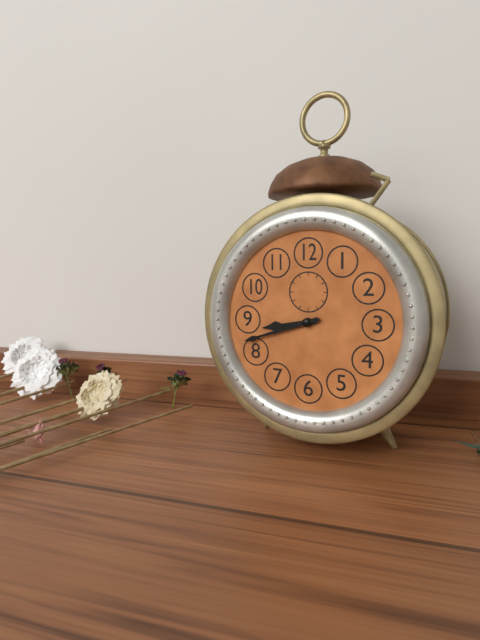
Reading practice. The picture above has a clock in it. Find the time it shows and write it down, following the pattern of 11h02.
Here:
8h42
